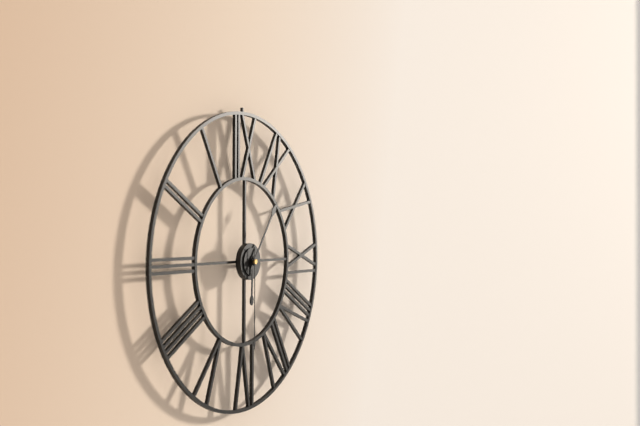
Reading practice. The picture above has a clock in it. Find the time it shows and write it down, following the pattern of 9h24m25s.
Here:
6h06m30s
